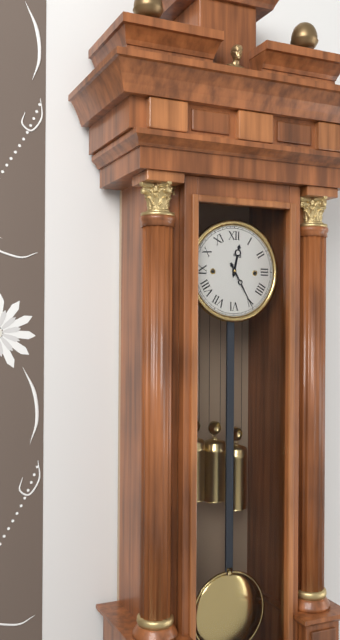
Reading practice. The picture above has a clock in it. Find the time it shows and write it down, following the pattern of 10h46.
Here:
12h25
